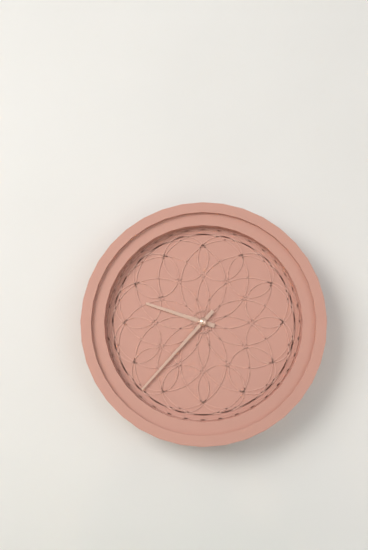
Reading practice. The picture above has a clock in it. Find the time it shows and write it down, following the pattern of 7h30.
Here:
9h37
